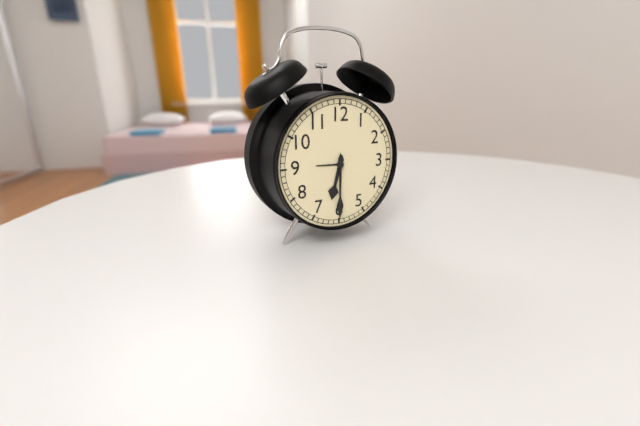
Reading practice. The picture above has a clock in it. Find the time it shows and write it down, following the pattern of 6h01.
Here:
6h30
